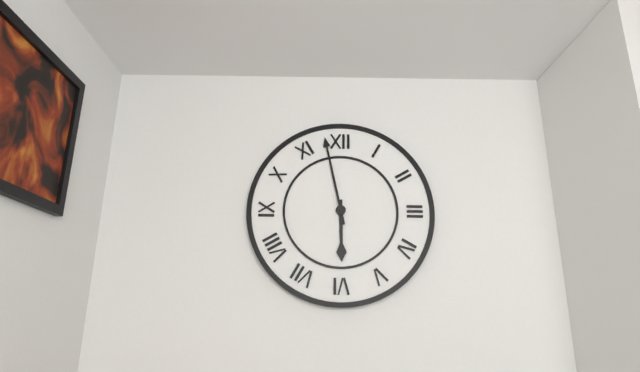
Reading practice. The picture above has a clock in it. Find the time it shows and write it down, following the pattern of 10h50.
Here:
5h58
